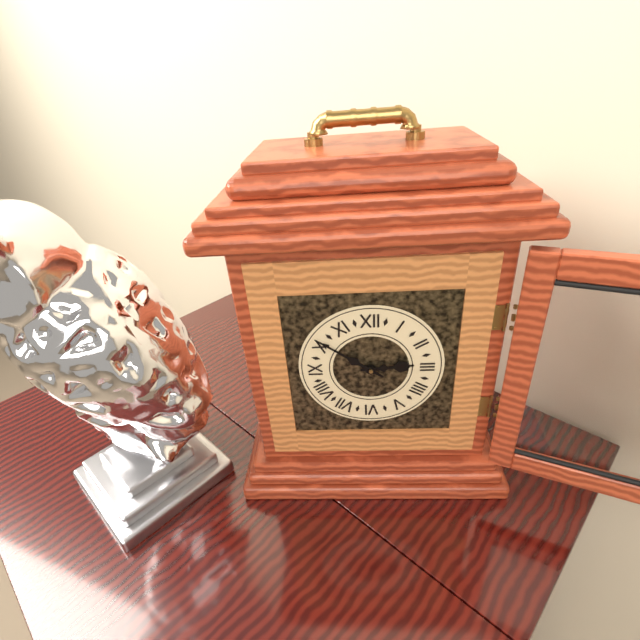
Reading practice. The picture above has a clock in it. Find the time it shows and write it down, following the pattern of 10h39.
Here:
2h51
